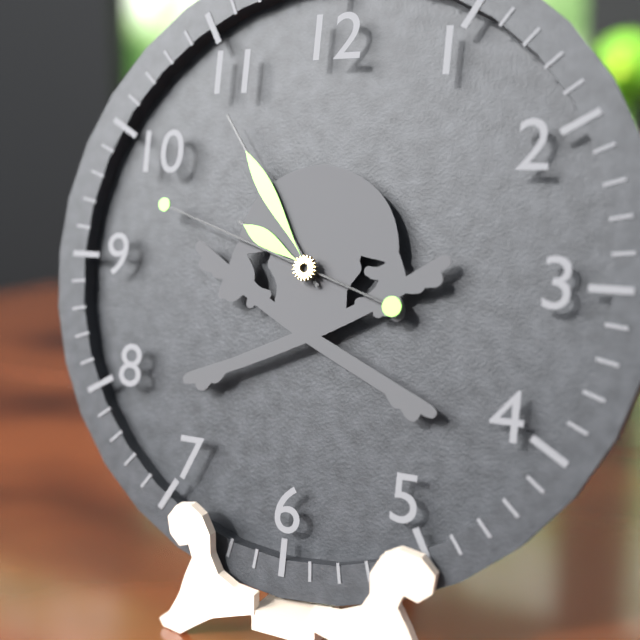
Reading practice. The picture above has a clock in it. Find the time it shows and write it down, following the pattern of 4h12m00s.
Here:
9h54m48s
